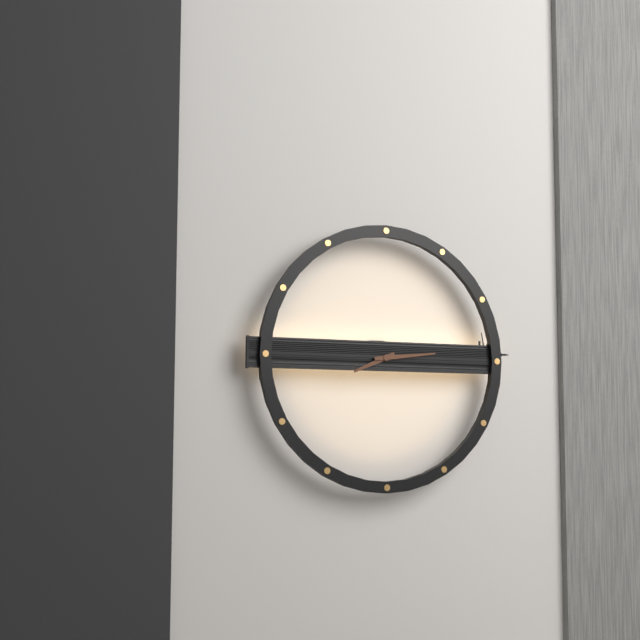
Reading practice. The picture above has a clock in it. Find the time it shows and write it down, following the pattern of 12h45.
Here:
8h14
